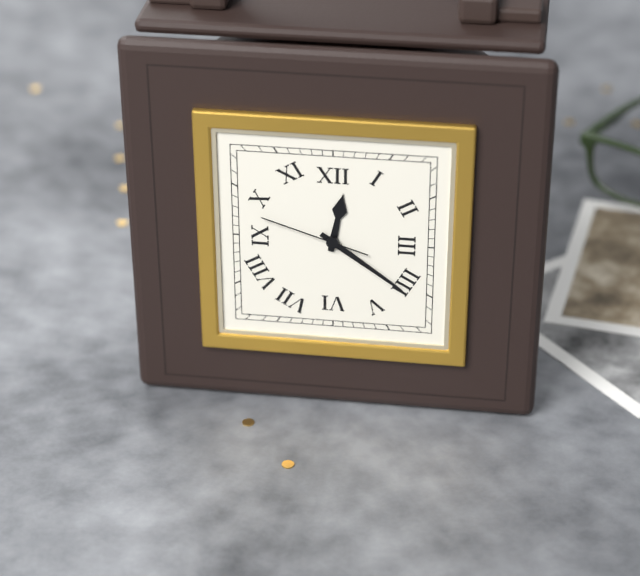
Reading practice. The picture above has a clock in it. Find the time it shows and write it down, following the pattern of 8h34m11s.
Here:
12h21m48s
